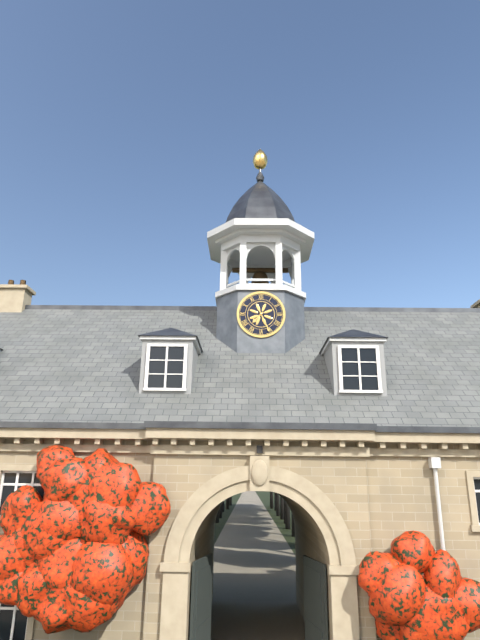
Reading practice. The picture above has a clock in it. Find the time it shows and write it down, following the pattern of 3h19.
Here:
7h26
